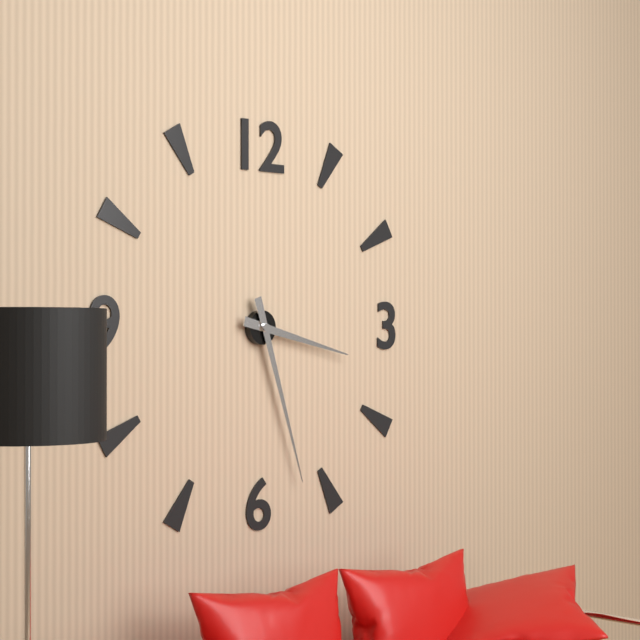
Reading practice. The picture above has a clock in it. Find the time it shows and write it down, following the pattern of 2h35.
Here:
3h27
